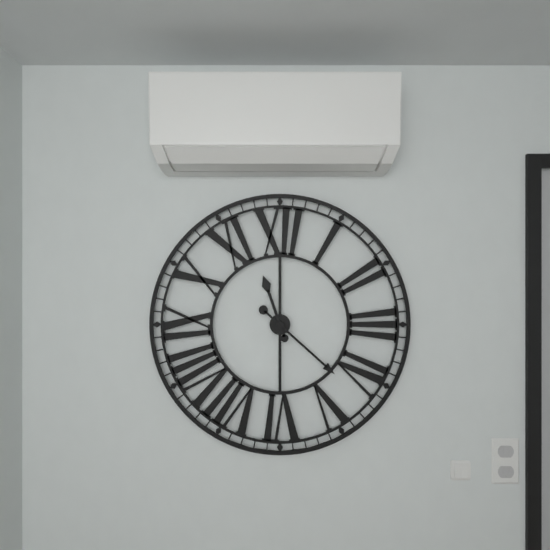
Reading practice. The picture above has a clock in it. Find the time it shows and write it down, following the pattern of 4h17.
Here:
11h22
